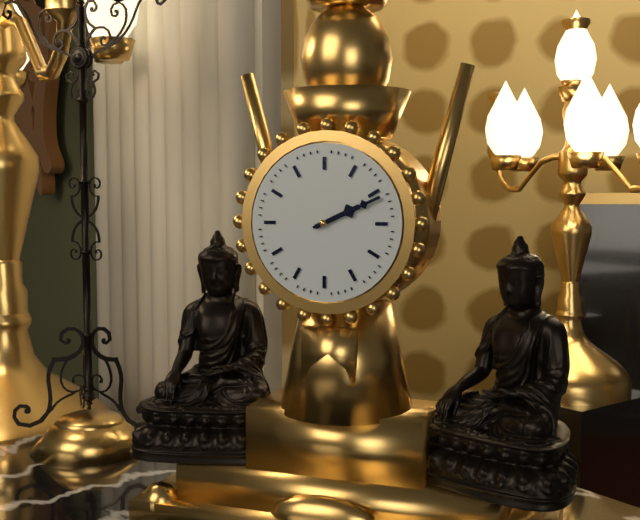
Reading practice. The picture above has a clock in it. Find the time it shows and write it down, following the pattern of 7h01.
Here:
2h11
